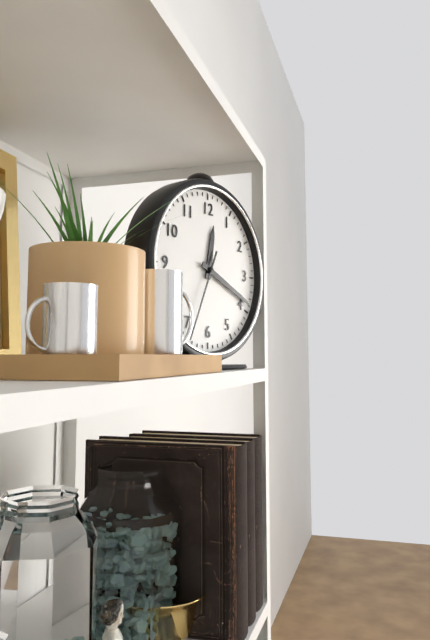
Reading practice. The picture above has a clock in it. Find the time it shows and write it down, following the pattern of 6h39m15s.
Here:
12h19m34s
